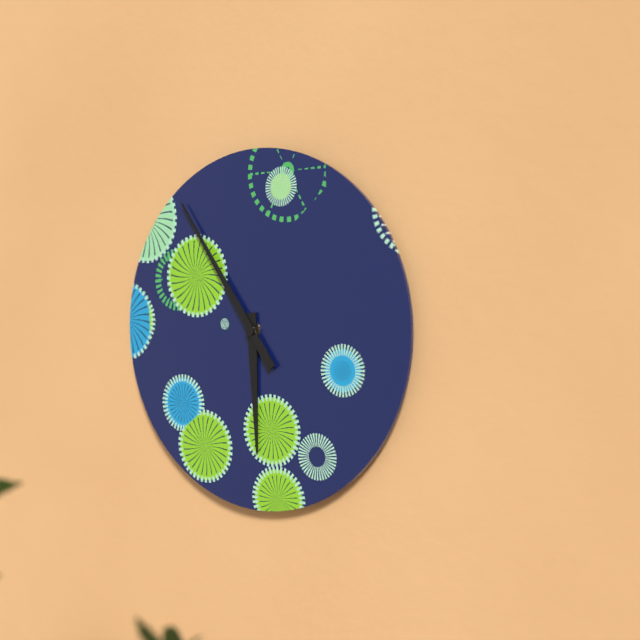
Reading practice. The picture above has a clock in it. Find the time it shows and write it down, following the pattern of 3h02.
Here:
5h54
